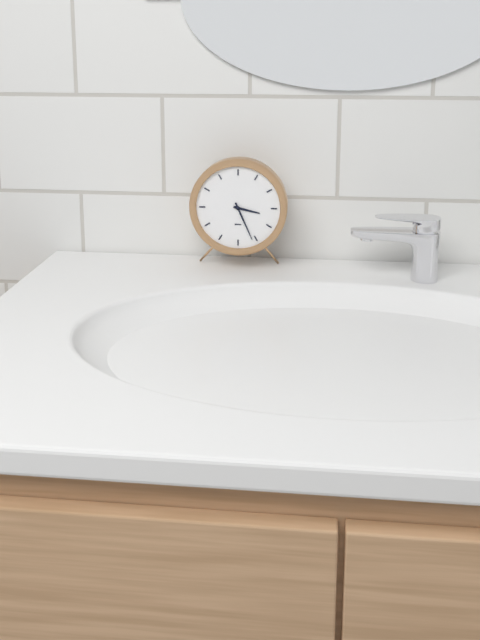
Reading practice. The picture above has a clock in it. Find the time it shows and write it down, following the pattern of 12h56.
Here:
3h26
